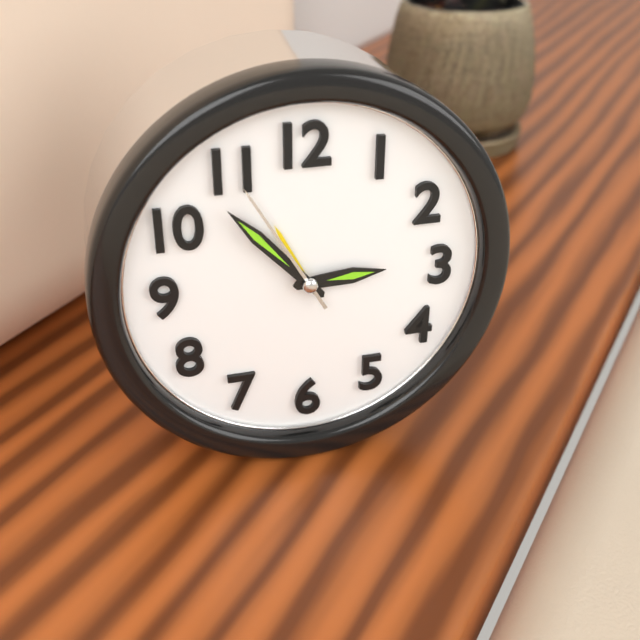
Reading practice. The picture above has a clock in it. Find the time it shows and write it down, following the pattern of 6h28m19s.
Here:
2h53m55s
